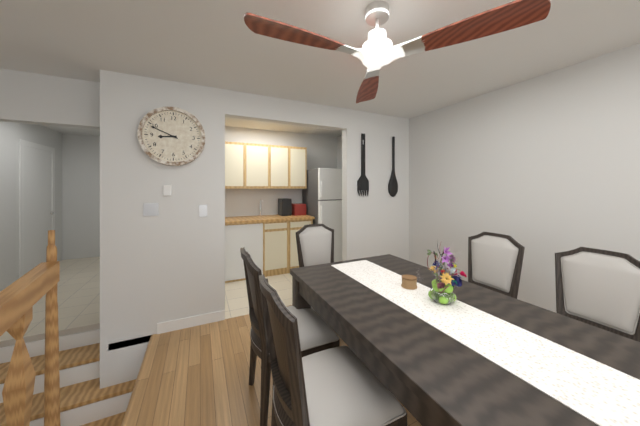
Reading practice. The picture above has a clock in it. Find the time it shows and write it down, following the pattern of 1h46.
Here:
8h49
